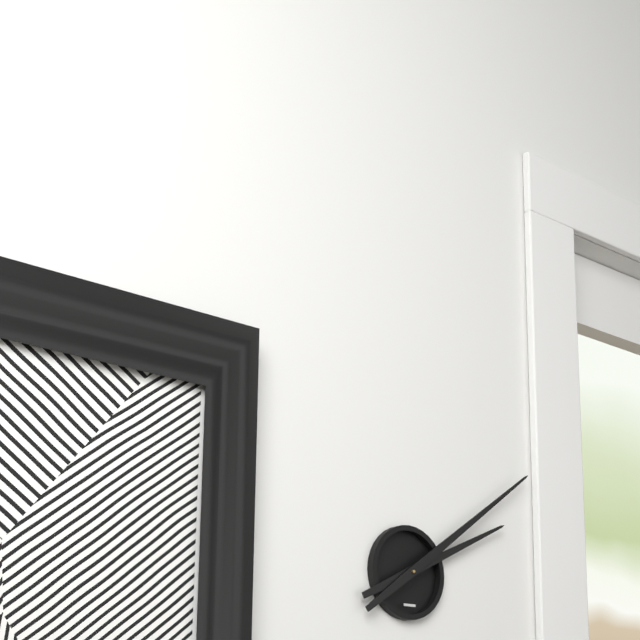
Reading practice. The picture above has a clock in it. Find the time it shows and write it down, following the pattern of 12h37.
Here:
2h09
